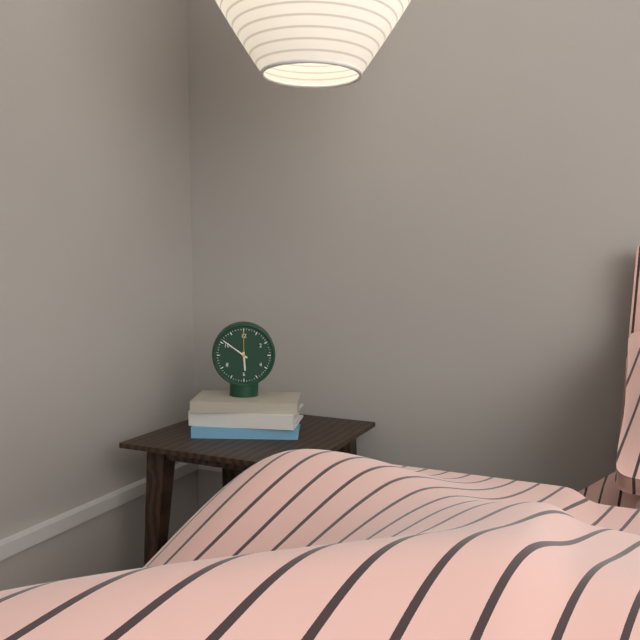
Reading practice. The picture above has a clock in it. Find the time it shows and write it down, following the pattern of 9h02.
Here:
5h51
